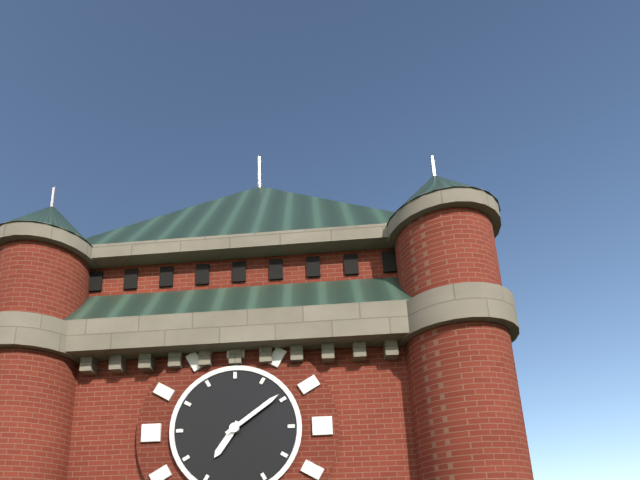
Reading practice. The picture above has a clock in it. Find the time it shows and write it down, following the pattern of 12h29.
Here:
7h09
